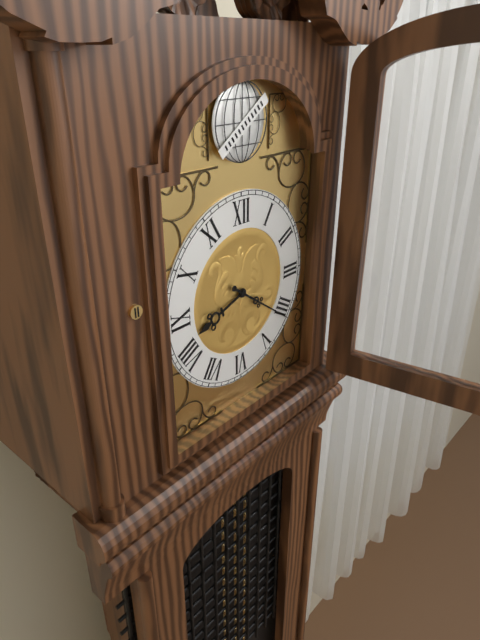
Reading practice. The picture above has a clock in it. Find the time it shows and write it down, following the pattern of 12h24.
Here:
8h21
